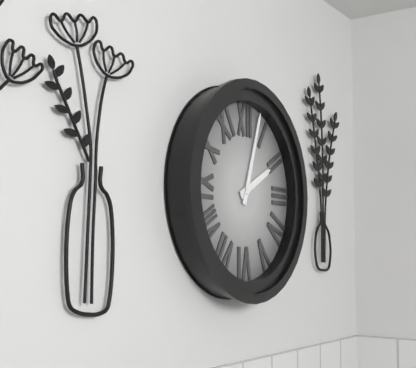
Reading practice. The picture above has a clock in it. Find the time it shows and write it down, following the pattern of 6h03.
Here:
2h03
